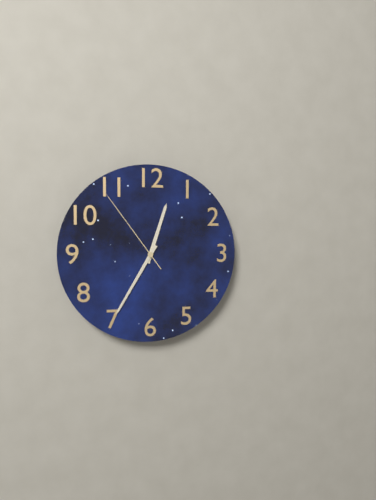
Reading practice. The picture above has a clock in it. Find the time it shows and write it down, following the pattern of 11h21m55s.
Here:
12h35m54s
